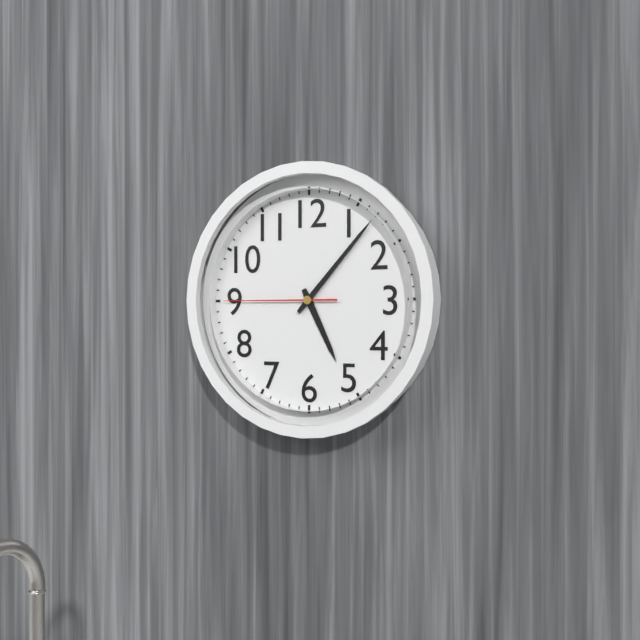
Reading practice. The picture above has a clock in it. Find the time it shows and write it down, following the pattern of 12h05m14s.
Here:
5h07m45s
